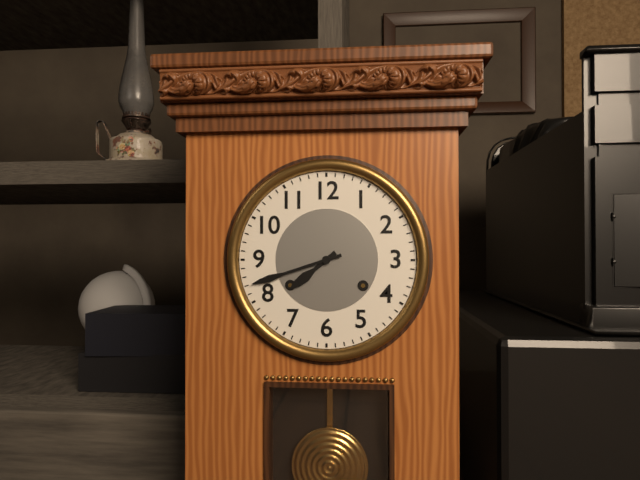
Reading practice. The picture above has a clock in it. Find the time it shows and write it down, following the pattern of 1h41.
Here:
7h42
